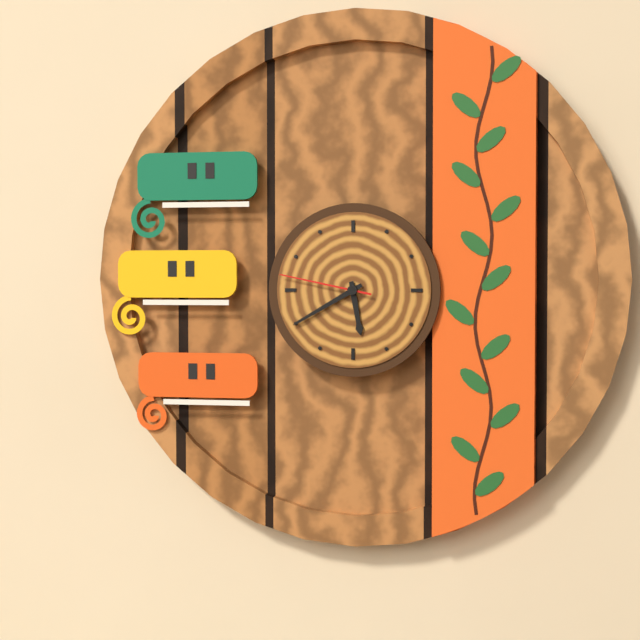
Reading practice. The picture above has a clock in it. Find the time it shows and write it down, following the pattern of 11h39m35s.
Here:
5h40m47s
